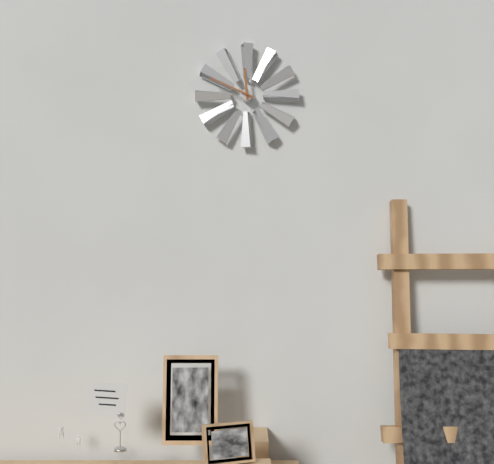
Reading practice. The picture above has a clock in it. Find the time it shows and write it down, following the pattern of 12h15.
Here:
11h49
